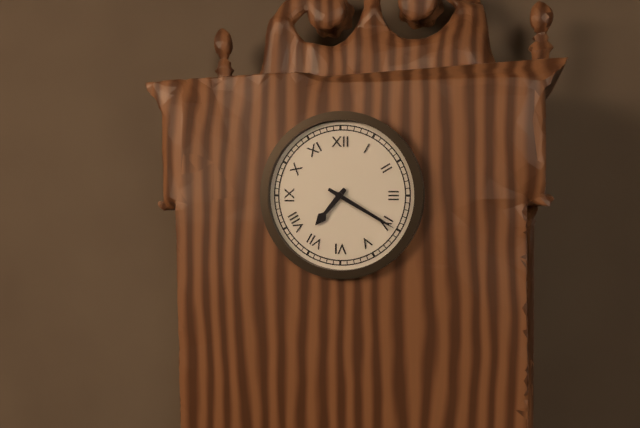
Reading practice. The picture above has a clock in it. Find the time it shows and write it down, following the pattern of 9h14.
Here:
7h20
